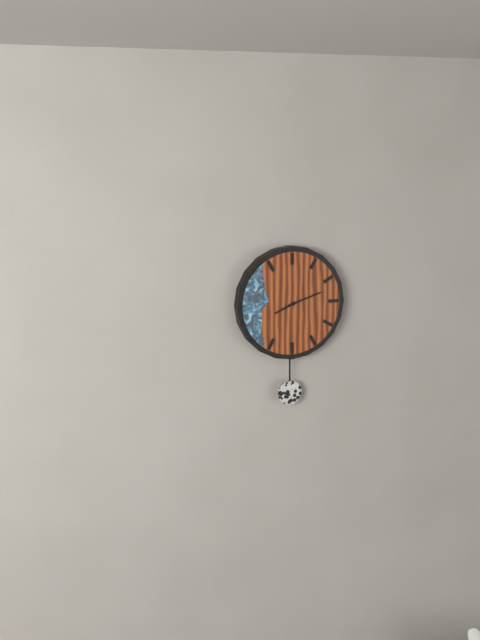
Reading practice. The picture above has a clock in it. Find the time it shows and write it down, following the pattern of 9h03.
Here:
8h12
